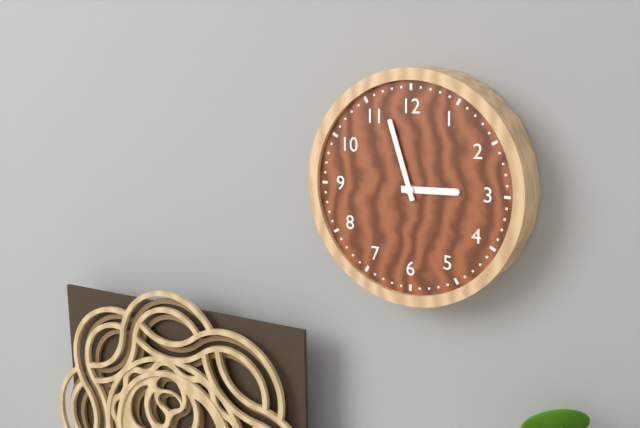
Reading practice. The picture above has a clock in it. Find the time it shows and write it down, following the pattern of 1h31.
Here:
2h57
